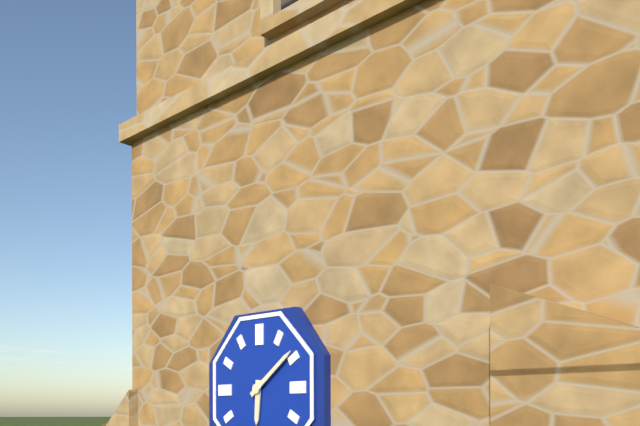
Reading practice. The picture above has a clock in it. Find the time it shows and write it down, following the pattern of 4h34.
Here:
6h09
